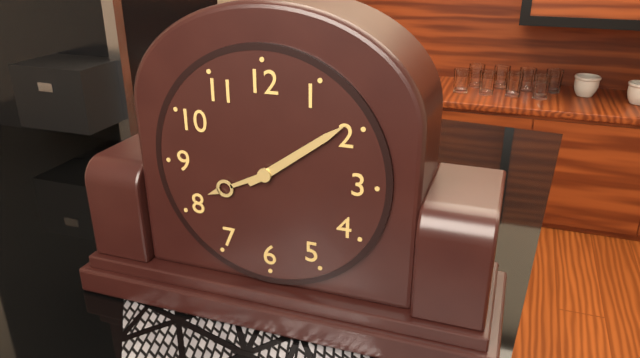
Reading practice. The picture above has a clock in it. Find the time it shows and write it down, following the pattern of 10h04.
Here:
8h09
